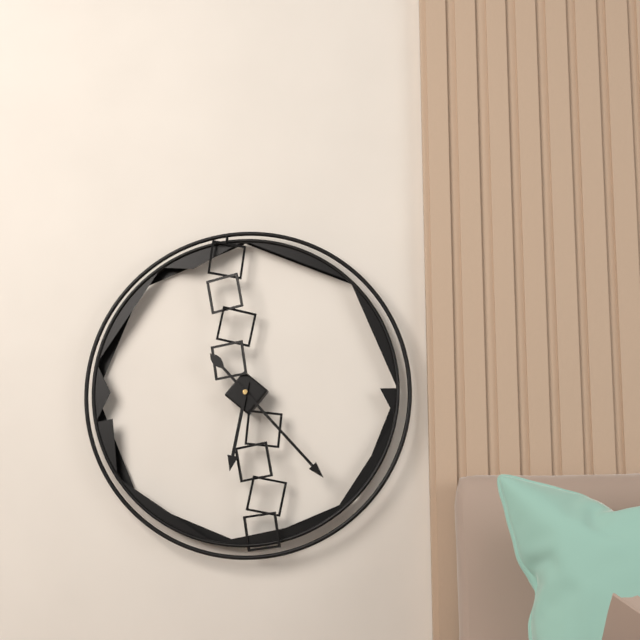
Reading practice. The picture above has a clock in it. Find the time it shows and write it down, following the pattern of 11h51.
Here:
6h23
